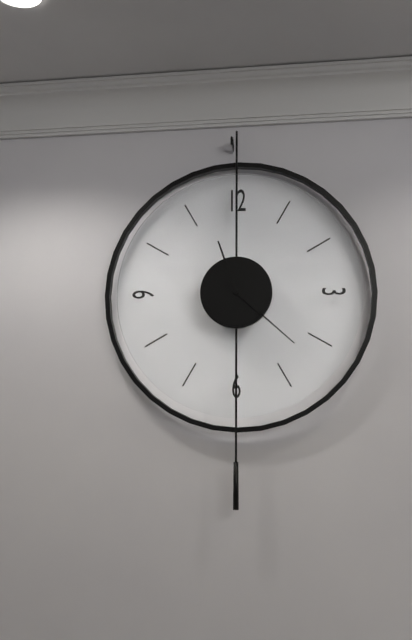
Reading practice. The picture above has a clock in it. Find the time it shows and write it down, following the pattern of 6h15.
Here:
11h22
